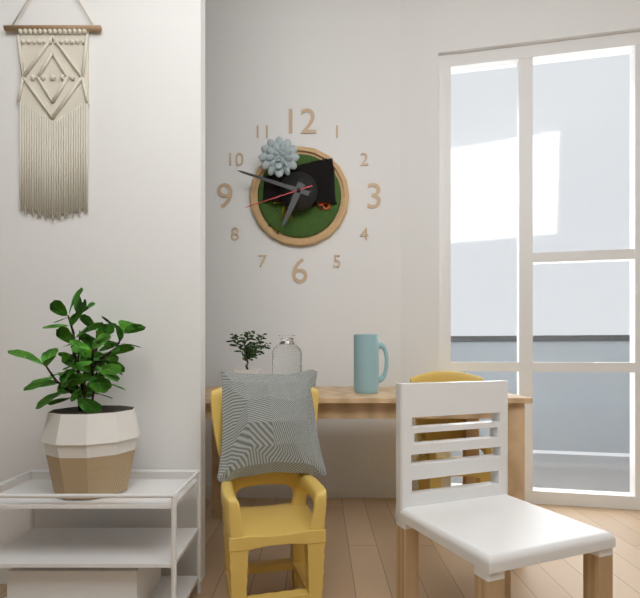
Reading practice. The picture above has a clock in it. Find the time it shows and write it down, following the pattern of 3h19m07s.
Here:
6h48m42s
